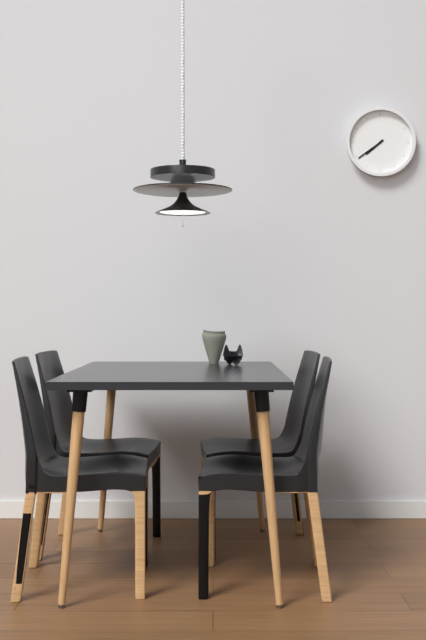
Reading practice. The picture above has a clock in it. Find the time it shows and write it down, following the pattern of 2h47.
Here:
7h39
